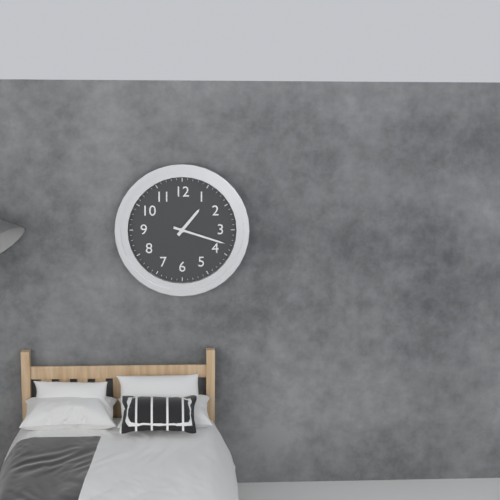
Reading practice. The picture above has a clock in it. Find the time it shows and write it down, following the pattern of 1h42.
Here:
1h18
